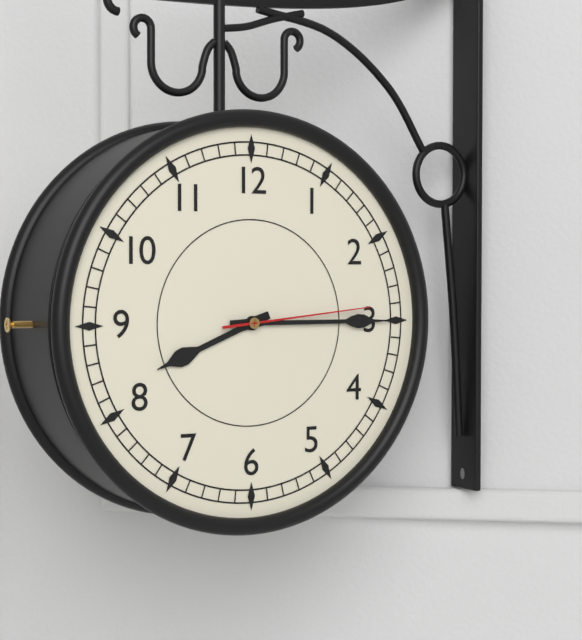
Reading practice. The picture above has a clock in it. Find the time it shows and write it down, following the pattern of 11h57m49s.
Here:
8h15m14s
